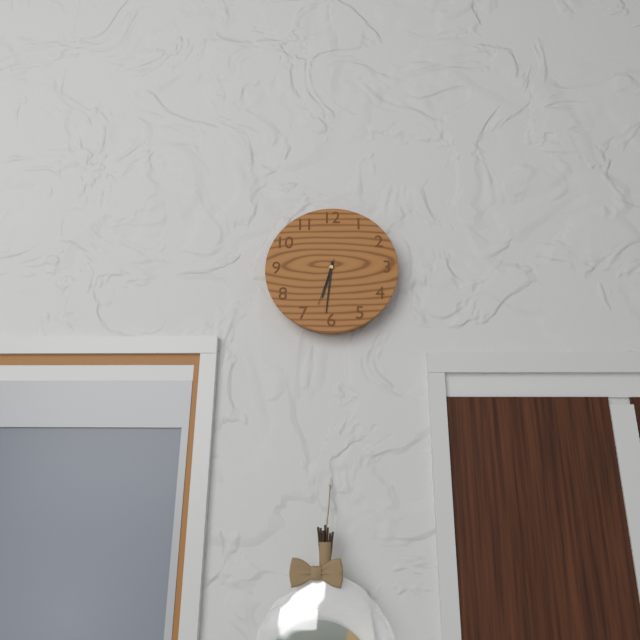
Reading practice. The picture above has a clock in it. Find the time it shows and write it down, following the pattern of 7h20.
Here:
6h31
